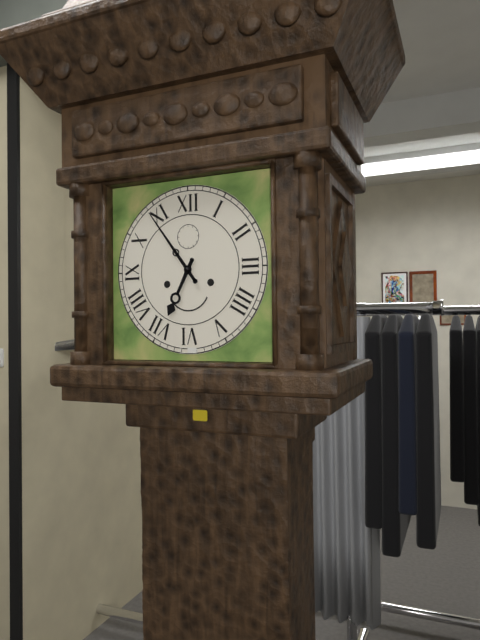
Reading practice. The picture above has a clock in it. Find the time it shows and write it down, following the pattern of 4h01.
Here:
6h54
